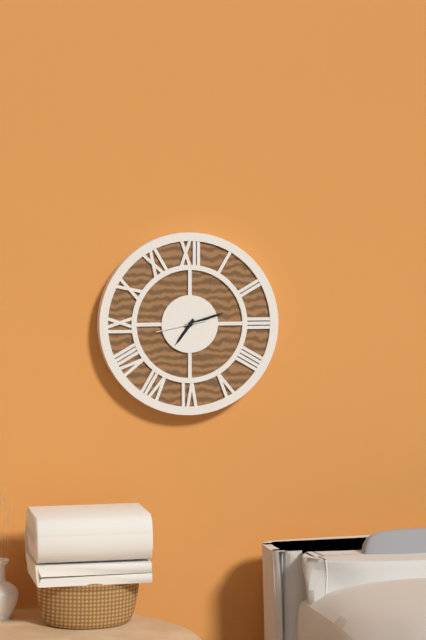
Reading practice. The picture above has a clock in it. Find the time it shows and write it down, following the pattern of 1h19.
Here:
7h12
